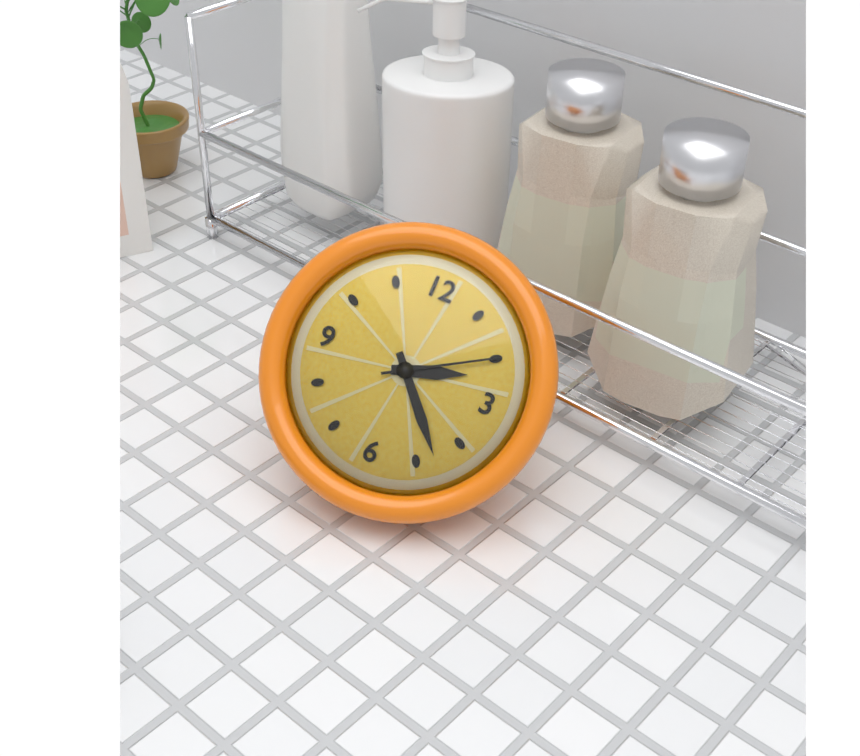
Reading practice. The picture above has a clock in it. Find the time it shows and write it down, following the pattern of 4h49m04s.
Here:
2h23m10s
